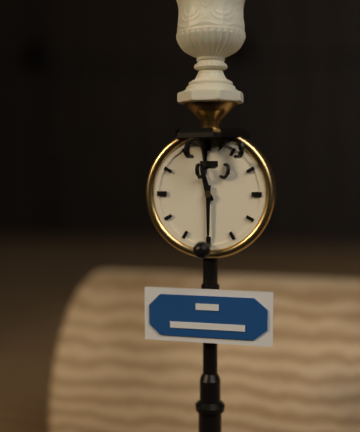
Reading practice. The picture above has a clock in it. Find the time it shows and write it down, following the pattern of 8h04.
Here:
11h30
